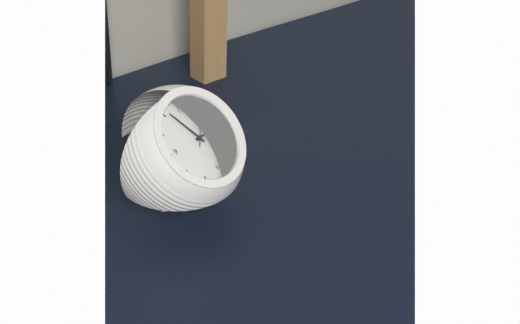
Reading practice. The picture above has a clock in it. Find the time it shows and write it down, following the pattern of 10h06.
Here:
2h56
